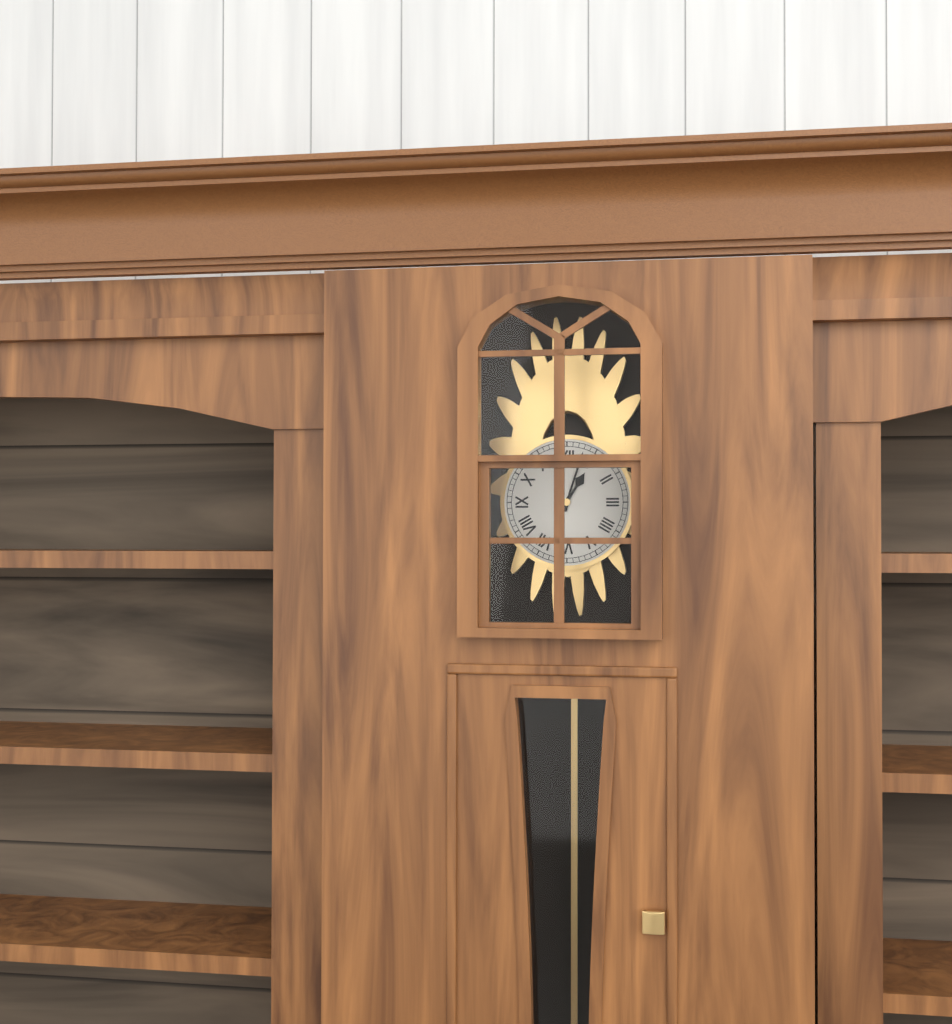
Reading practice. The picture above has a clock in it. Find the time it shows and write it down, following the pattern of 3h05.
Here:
1h03
